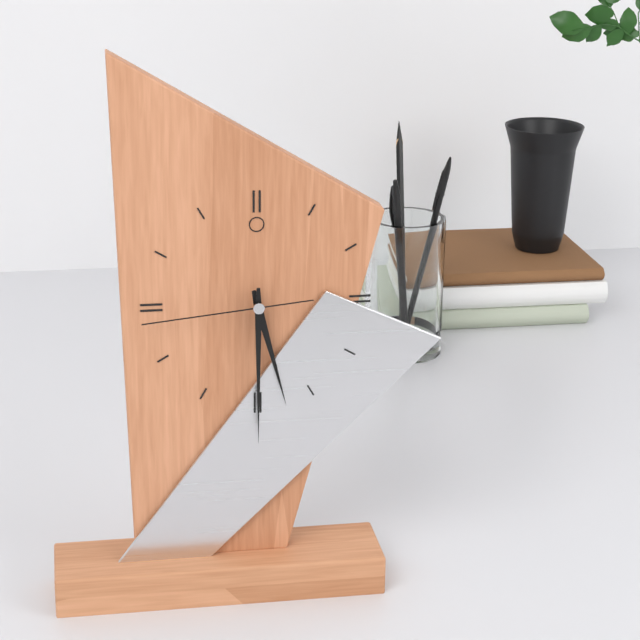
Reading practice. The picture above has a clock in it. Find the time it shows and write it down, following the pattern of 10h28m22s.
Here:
5h30m44s
